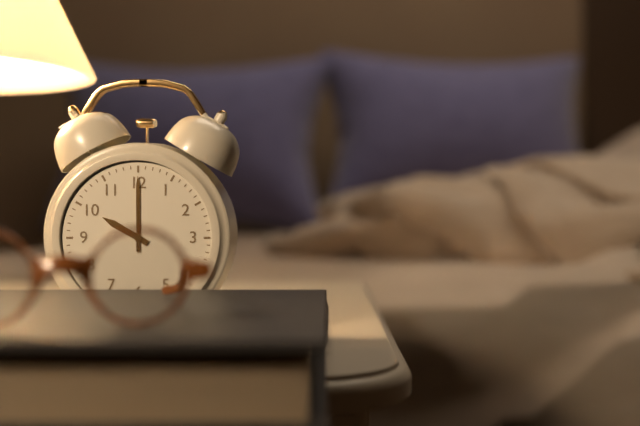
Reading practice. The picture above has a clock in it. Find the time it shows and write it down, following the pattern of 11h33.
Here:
10h00
